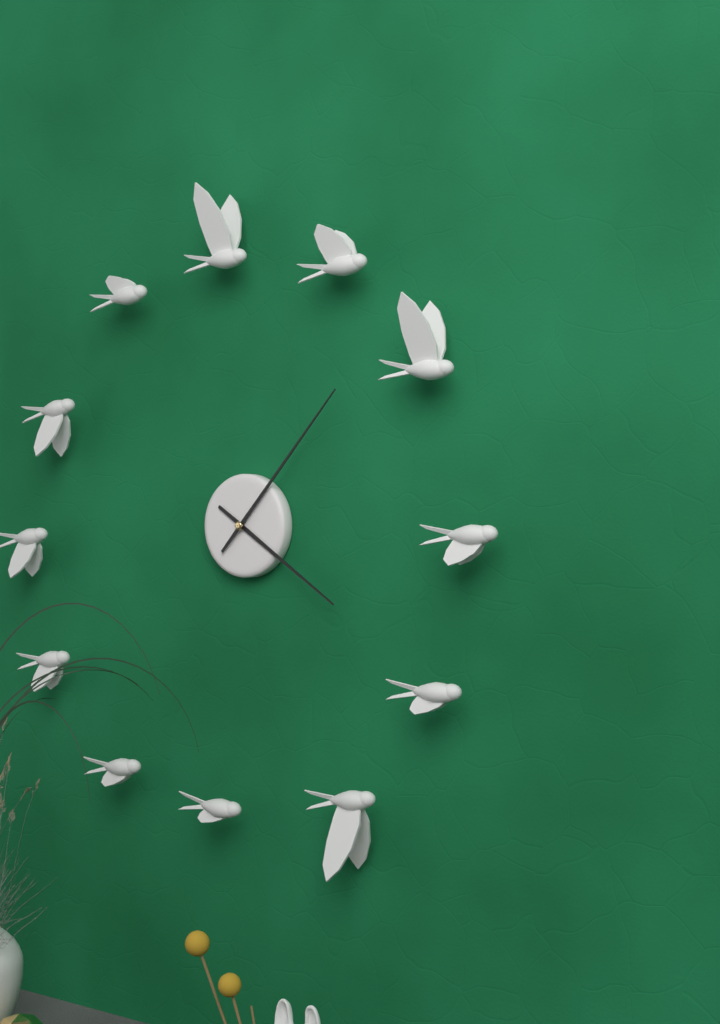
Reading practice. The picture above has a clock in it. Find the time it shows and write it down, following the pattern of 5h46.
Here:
4h07
